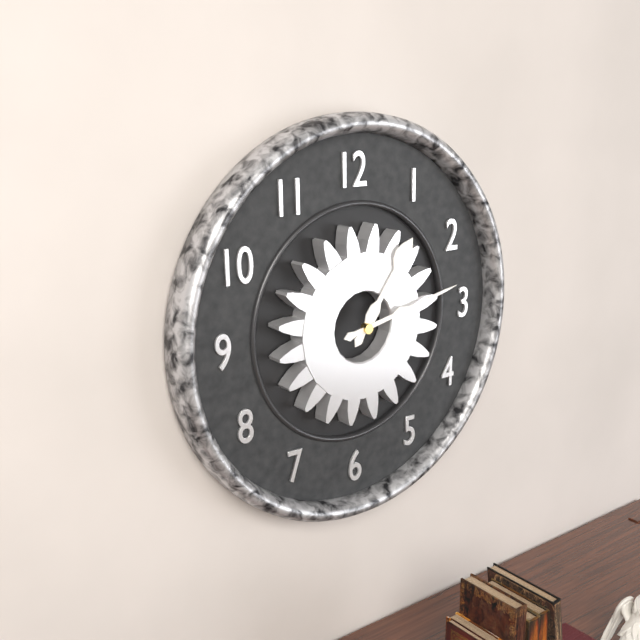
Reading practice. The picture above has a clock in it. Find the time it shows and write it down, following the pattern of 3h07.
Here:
1h13
